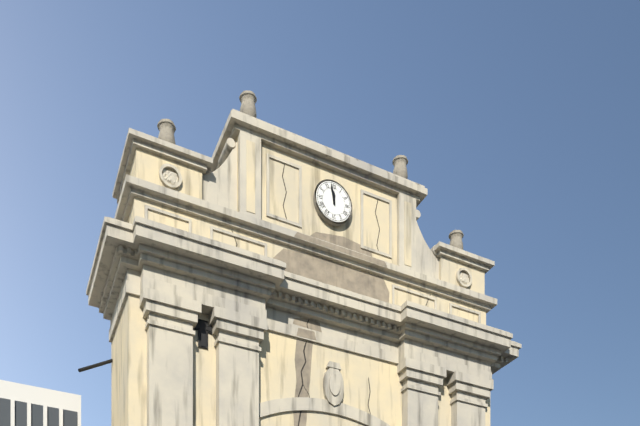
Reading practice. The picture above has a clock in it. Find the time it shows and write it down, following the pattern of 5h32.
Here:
11h58
